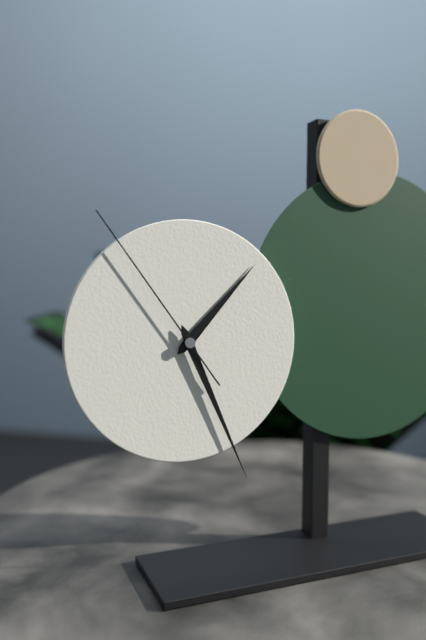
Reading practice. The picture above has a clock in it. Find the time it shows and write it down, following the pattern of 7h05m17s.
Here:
1h26m54s
